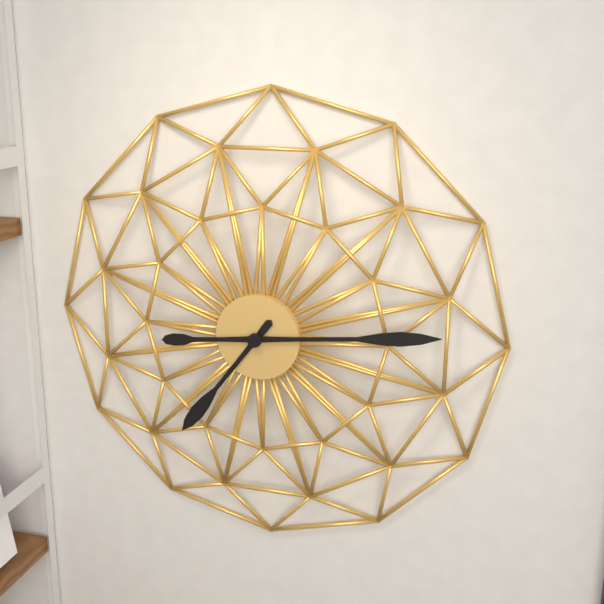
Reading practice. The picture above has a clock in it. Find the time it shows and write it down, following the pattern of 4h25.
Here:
7h14
